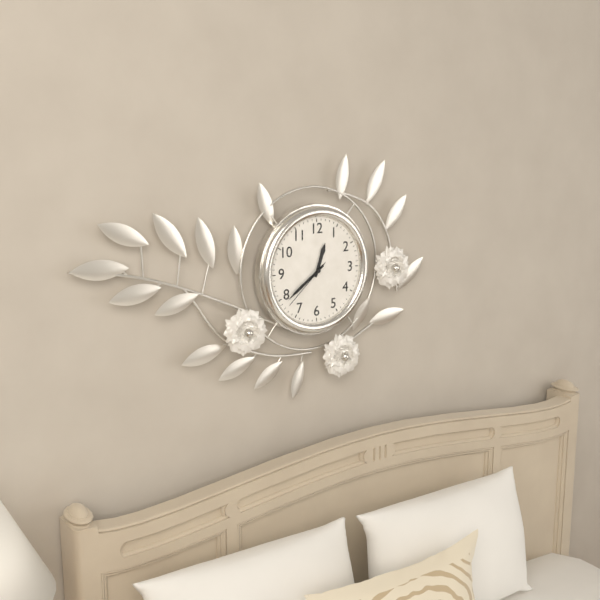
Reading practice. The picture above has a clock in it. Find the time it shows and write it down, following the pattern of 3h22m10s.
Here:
12h39m38s
